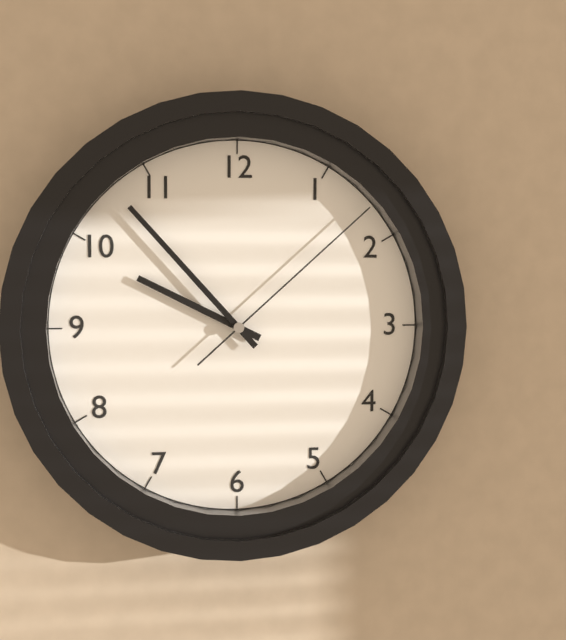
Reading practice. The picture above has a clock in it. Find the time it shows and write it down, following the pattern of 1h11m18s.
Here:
9h53m08s
